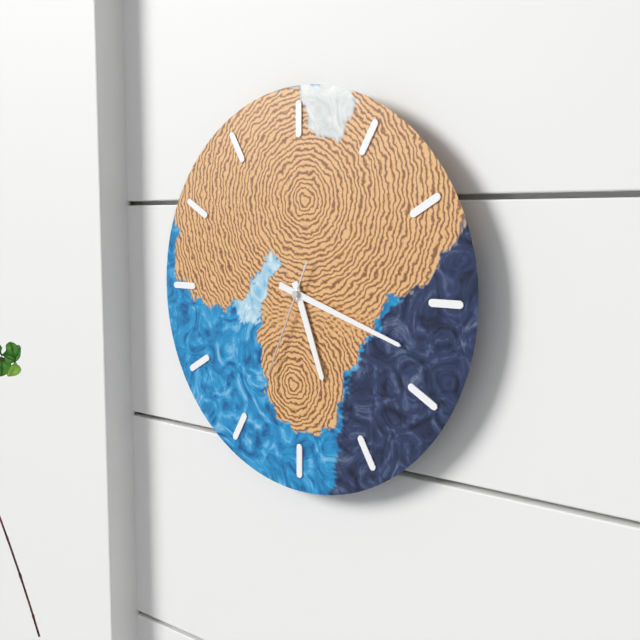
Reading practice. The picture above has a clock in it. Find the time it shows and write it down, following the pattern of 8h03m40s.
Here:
5h18m34s
